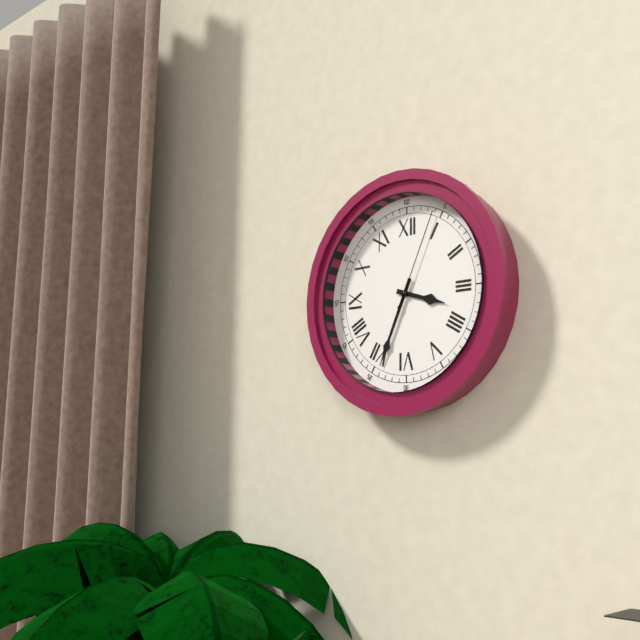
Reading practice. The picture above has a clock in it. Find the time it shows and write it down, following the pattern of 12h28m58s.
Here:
3h34m04s
